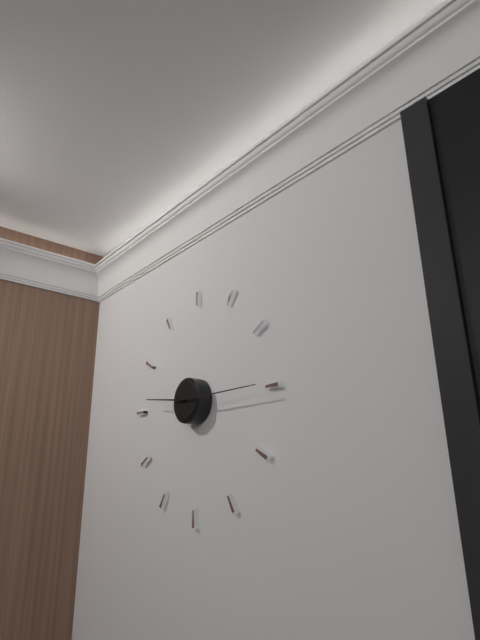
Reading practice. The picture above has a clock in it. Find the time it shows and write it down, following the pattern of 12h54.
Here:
9h15
